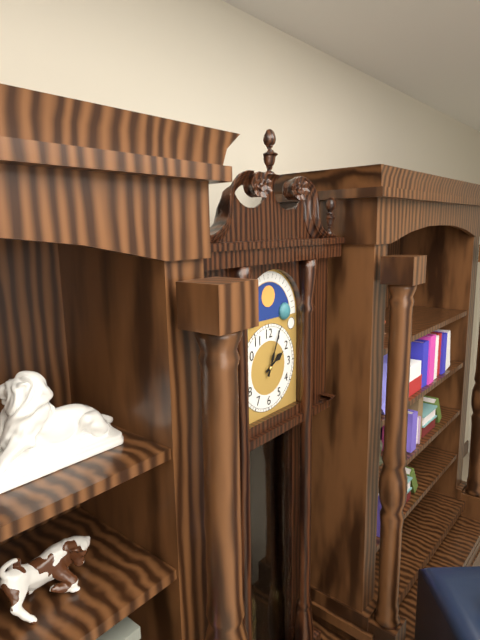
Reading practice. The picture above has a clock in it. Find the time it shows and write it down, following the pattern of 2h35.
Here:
2h04
